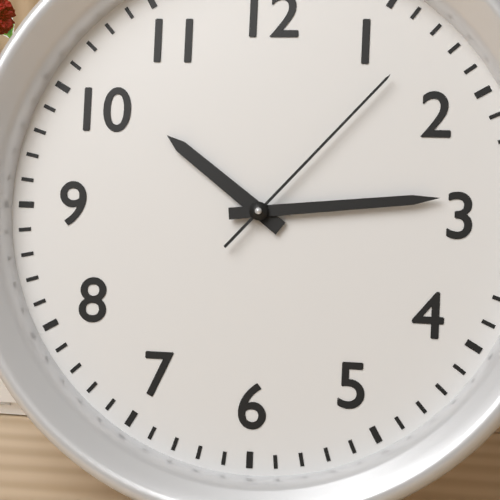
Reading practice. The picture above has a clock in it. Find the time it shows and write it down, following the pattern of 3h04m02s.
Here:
10h14m07s
